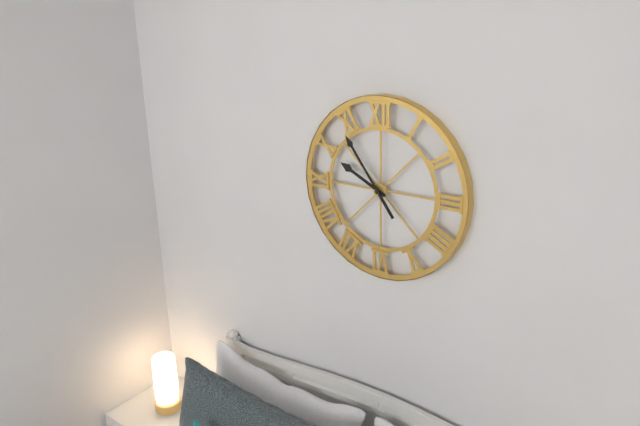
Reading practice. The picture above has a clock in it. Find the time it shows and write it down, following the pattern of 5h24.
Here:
9h54
